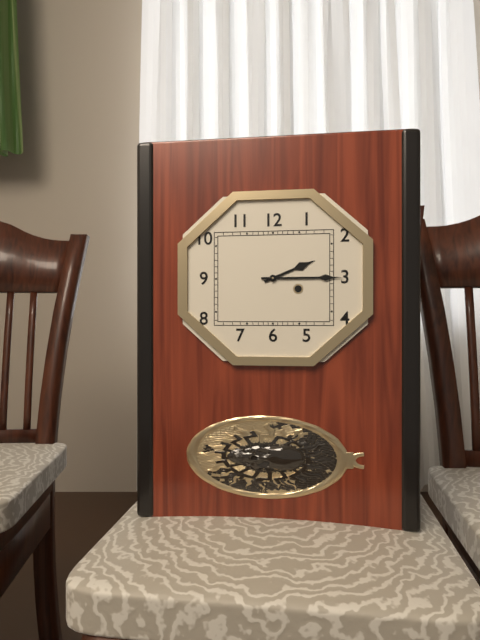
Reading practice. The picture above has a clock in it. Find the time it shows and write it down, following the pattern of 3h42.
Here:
2h15
